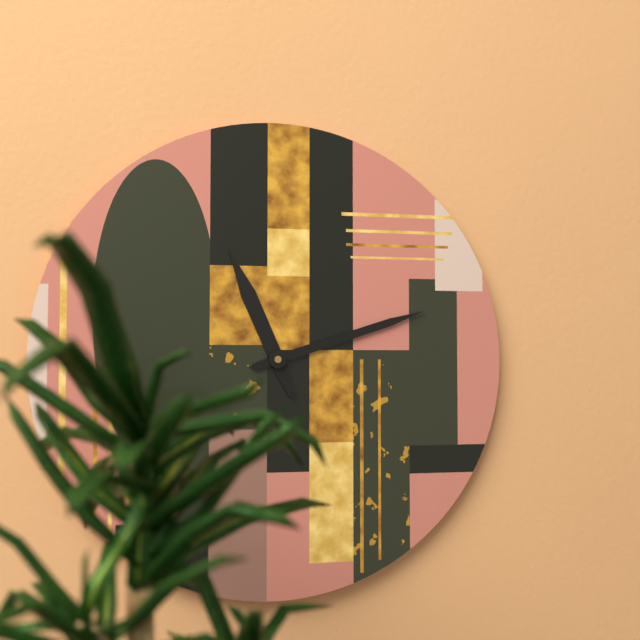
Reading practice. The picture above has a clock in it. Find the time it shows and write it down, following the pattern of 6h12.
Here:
11h12
